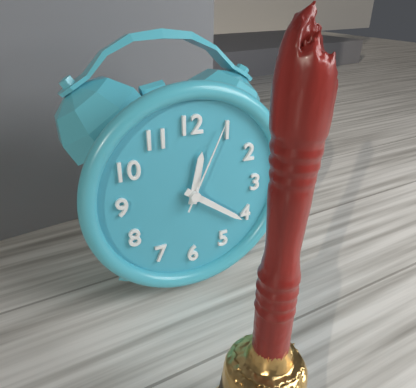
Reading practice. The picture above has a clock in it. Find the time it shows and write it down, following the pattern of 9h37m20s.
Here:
12h21m04s
